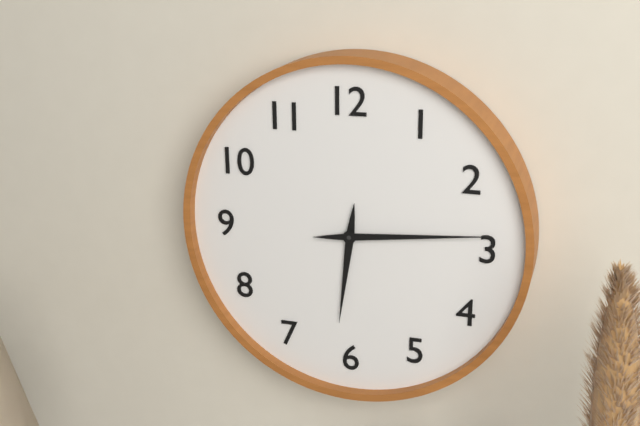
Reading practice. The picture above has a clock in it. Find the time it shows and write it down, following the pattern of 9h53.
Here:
6h14
